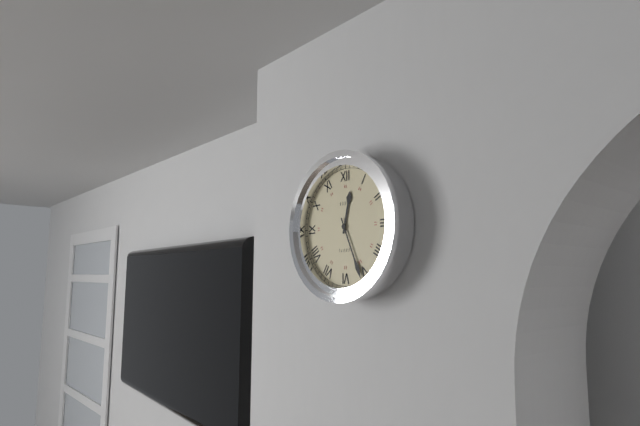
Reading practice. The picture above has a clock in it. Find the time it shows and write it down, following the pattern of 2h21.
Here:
12h26
